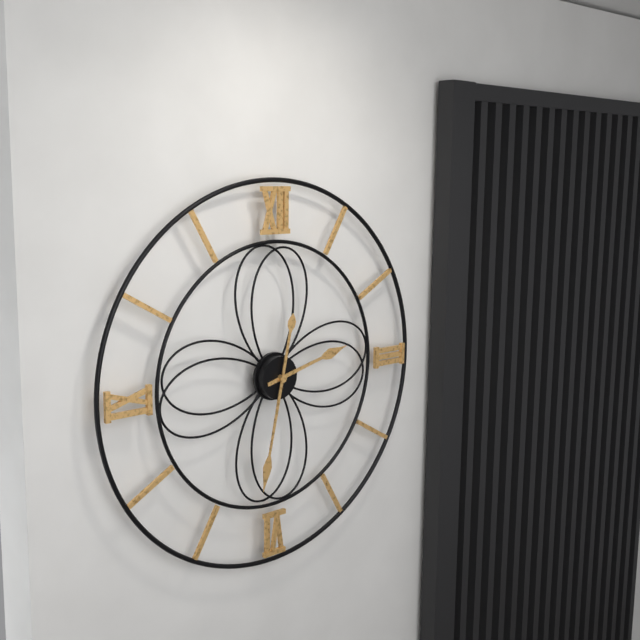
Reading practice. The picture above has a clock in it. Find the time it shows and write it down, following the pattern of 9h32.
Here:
2h32
